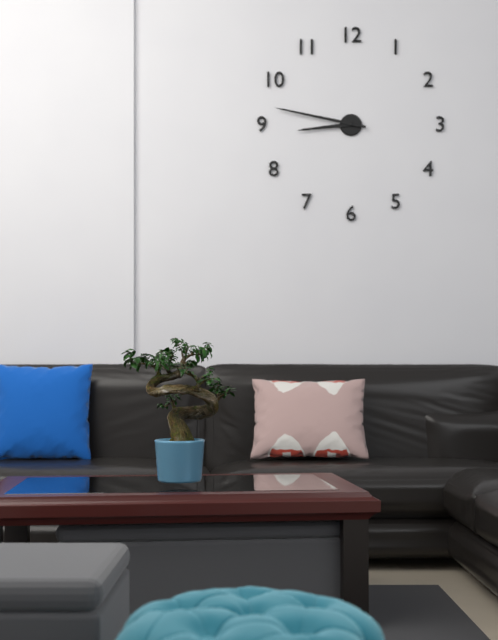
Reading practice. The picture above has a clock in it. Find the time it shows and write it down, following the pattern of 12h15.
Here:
8h47
